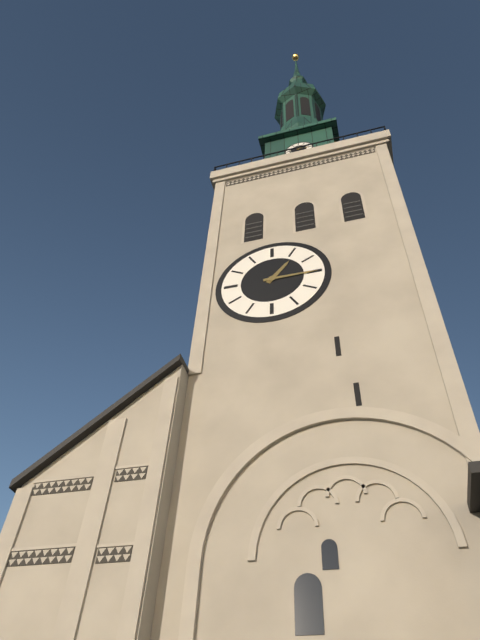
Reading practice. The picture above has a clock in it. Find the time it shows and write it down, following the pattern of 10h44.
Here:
1h15
